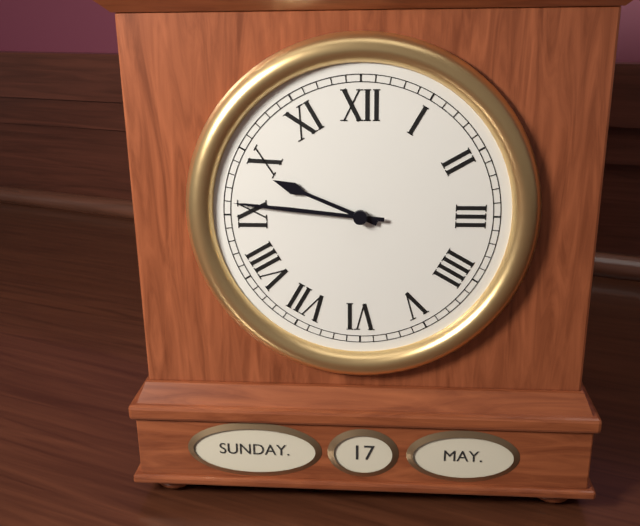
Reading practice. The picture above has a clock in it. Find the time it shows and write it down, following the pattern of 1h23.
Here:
9h46
